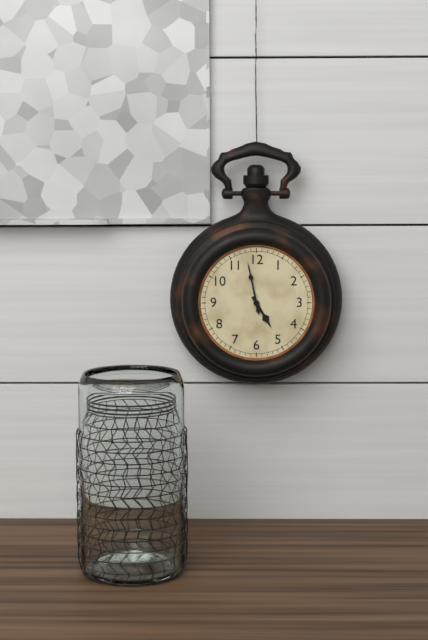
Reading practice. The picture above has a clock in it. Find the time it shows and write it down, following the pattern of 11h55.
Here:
4h58
